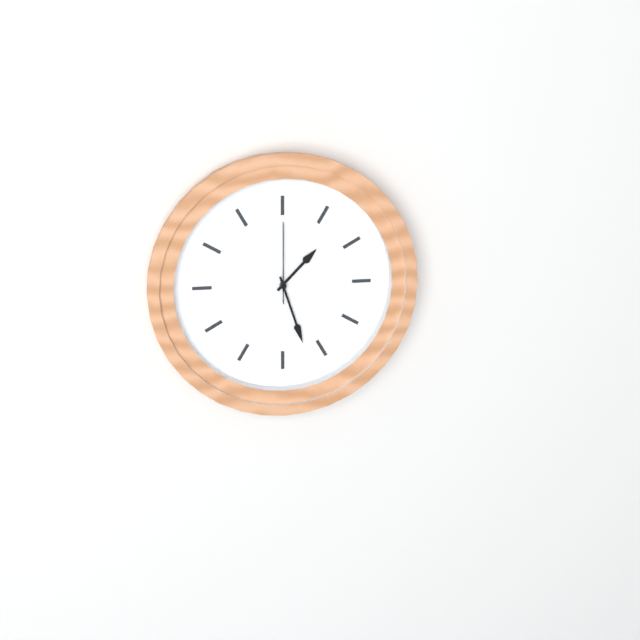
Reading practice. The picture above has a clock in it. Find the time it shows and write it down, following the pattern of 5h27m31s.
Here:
1h27m00s
